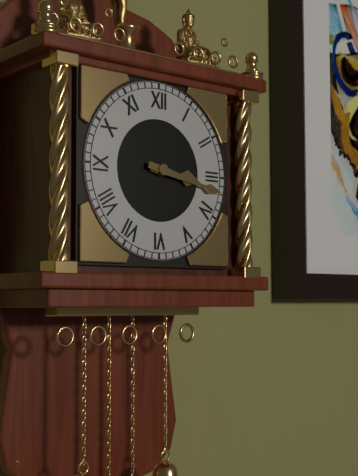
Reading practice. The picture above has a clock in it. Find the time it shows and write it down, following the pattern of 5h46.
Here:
3h17
